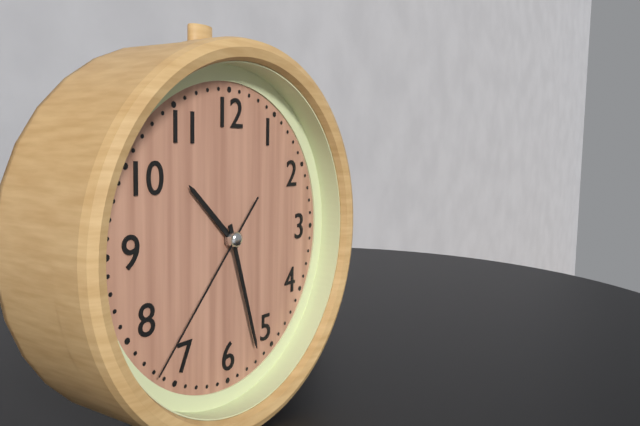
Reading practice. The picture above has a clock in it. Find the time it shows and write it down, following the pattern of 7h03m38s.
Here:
10h27m37s
